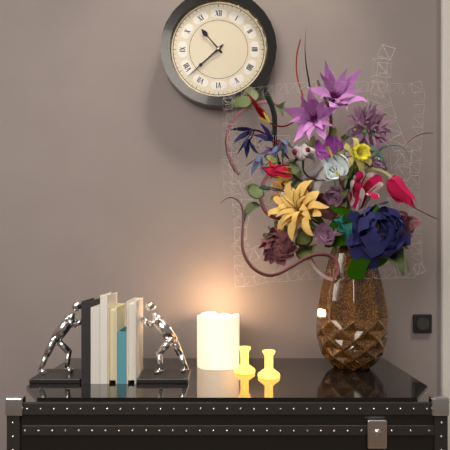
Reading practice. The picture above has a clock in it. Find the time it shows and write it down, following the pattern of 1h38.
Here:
10h38
